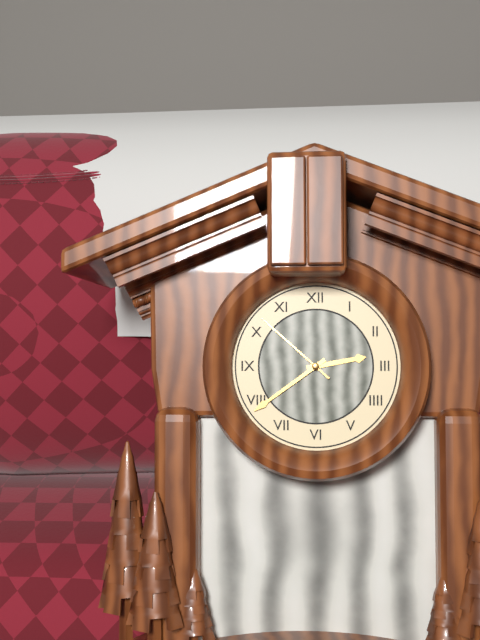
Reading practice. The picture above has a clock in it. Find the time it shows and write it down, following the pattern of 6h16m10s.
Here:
2h39m52s
